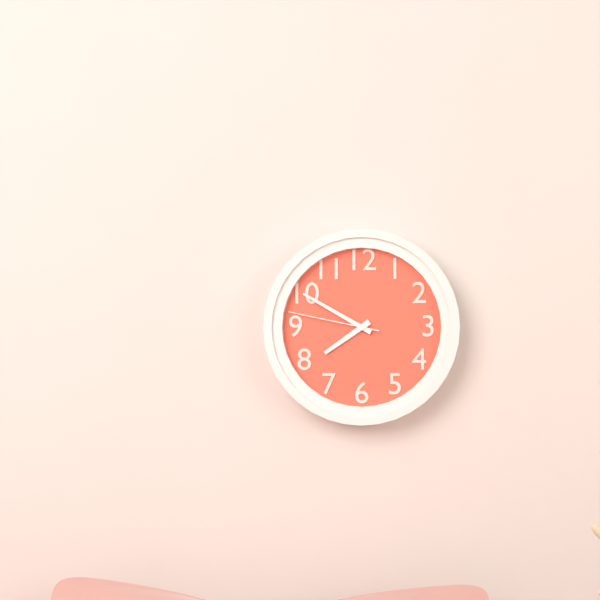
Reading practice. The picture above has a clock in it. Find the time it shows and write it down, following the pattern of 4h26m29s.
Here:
7h50m47s
